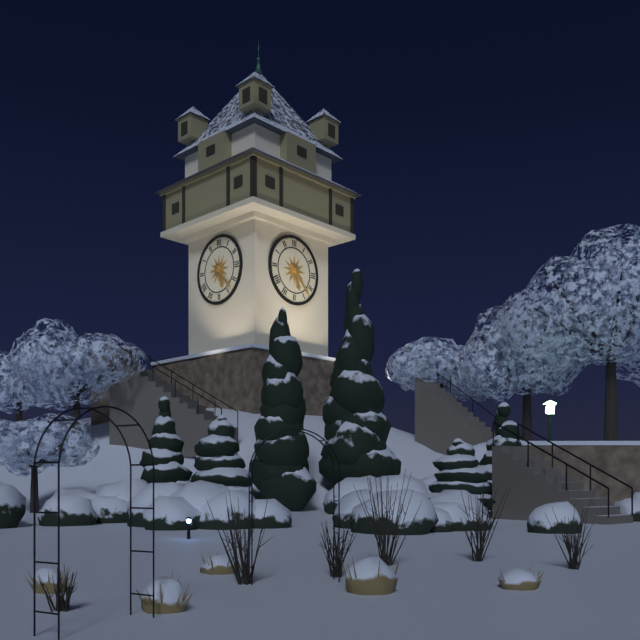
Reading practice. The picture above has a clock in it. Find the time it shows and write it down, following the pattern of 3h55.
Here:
5h23
